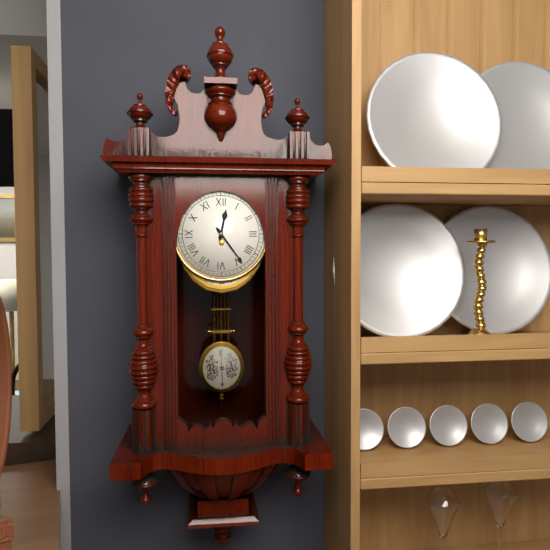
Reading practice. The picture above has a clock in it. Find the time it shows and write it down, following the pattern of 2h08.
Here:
12h24
